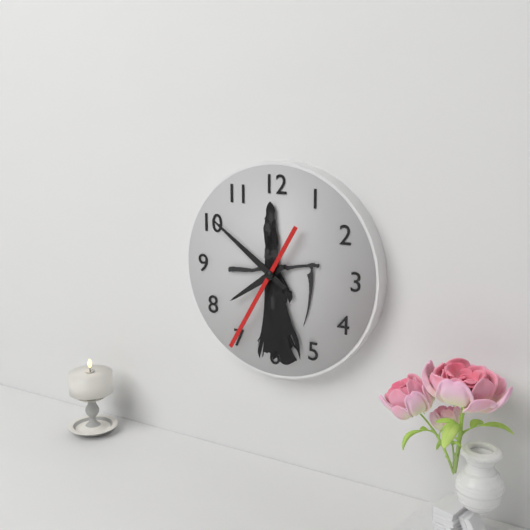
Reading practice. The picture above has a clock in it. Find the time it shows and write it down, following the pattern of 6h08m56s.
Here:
7h51m35s
